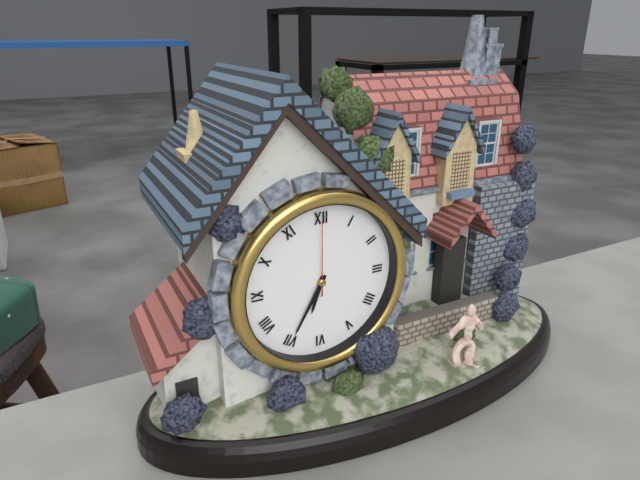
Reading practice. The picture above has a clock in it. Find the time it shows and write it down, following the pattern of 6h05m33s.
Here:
6h35m00s
